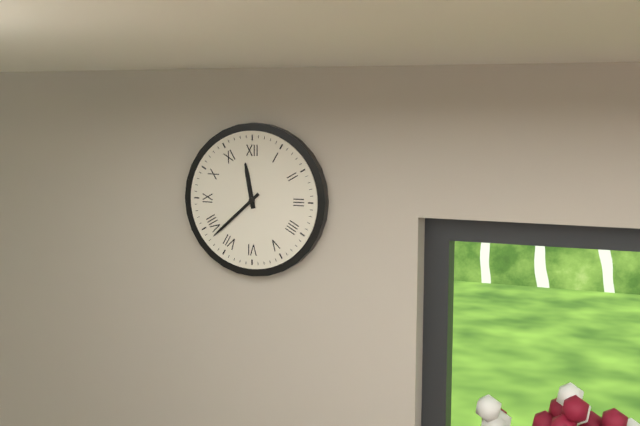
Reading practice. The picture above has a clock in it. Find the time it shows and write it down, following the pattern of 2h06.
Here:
11h38
